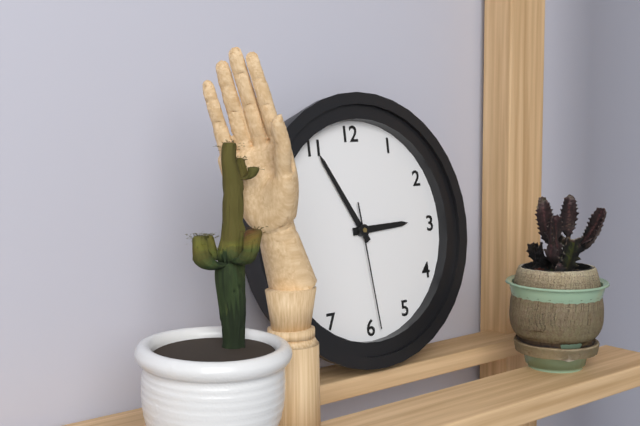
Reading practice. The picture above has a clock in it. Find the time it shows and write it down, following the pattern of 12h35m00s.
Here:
2h55m29s
